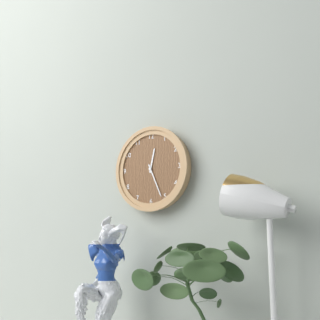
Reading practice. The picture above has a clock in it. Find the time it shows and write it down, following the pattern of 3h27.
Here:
12h26
